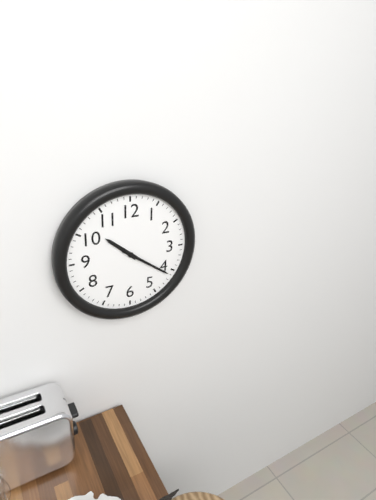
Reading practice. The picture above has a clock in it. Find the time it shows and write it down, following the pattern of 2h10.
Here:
10h21
